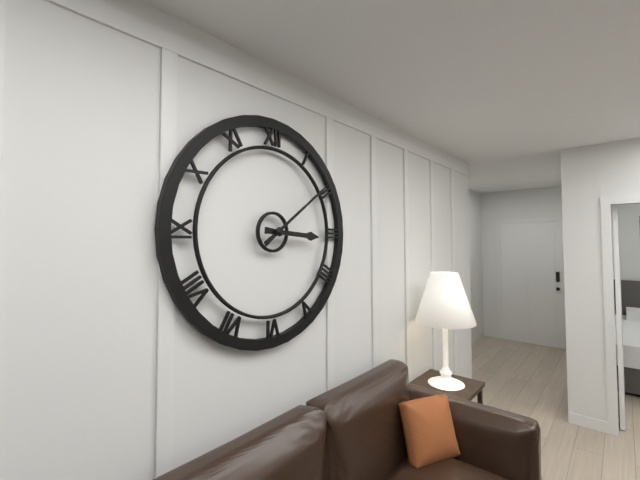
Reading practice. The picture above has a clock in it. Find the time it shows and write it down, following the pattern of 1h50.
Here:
3h09
